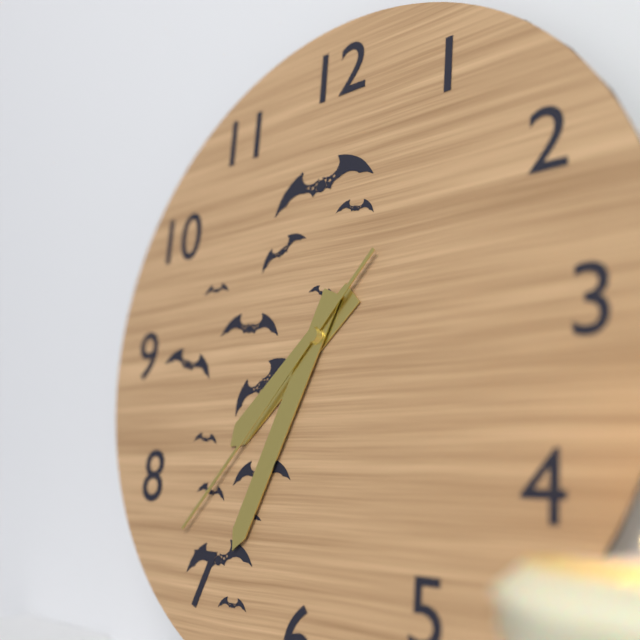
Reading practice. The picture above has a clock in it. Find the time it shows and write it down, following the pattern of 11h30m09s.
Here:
7h34m37s
